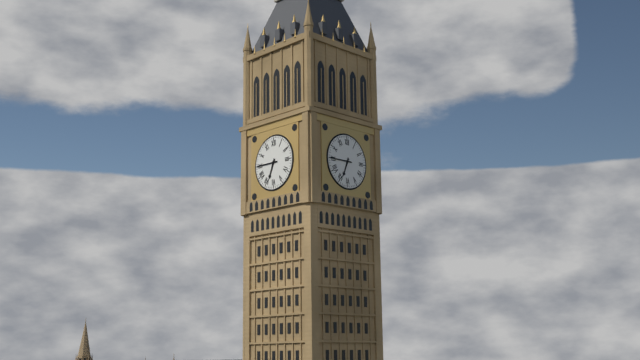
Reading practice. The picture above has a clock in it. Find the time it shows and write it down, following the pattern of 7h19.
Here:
6h45
